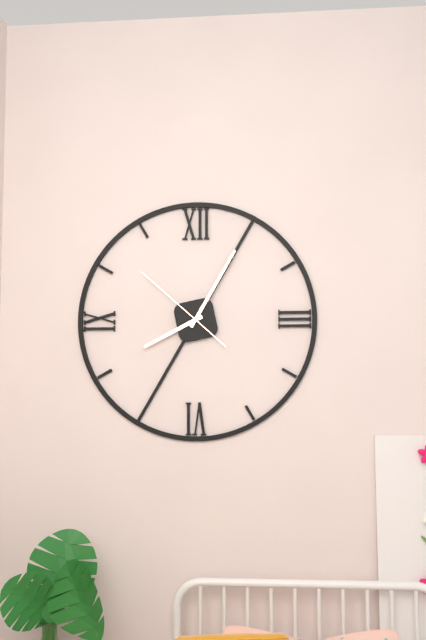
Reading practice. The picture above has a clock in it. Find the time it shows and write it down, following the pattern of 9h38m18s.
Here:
8h05m52s
